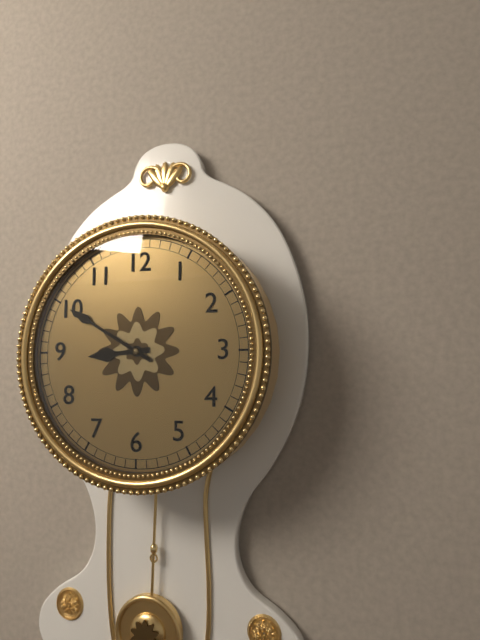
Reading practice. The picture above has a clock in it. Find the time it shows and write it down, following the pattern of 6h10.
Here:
8h50
